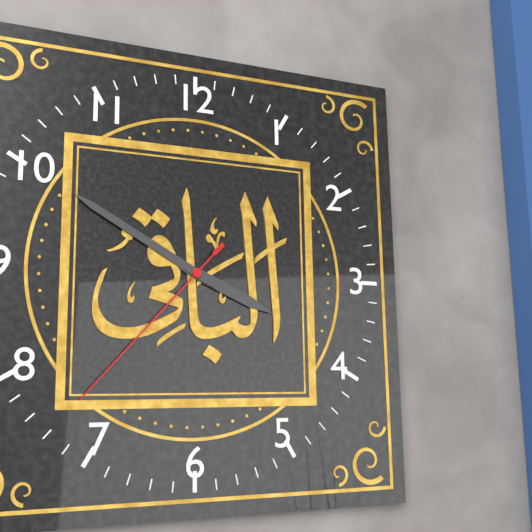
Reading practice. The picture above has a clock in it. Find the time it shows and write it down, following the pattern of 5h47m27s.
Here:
3h50m37s
